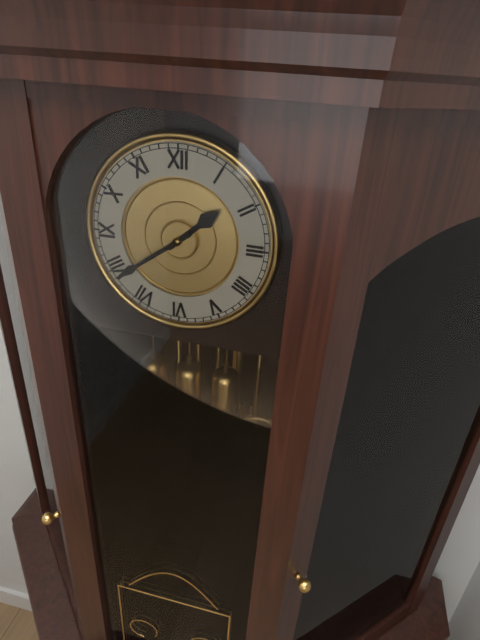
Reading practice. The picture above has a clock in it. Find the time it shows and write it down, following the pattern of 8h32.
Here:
1h39
